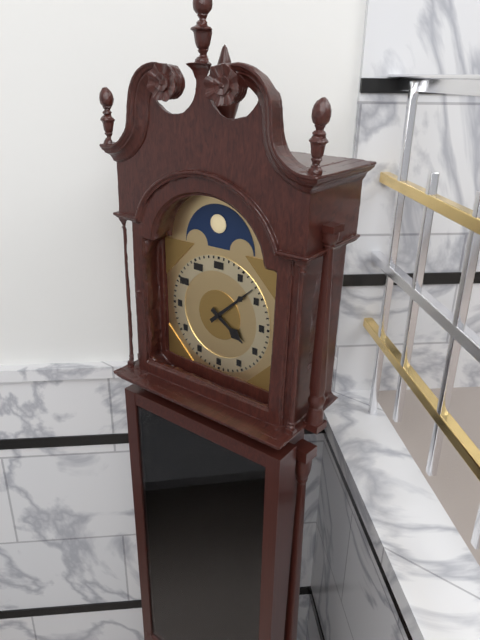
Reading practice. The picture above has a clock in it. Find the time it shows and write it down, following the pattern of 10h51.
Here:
4h08
